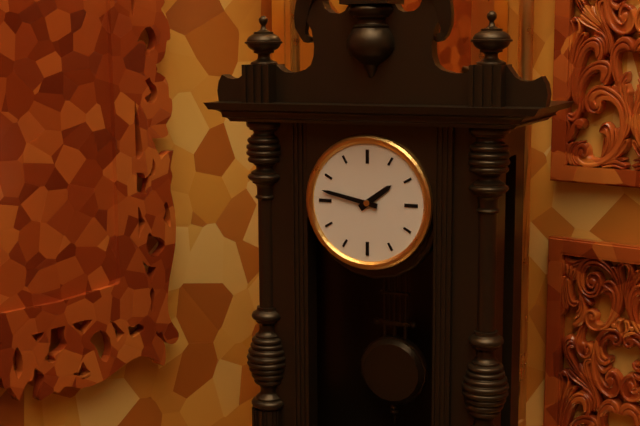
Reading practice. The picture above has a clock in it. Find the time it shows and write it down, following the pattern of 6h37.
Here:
1h47
